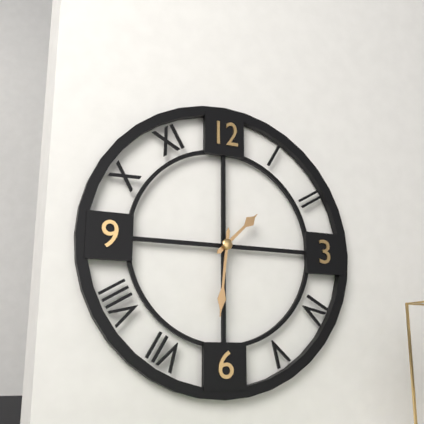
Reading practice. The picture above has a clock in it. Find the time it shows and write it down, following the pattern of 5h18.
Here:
1h31
